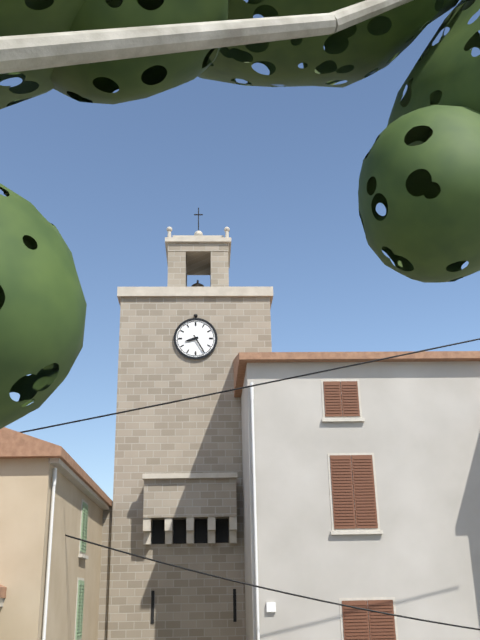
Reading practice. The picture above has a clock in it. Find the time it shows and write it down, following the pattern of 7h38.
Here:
8h25
